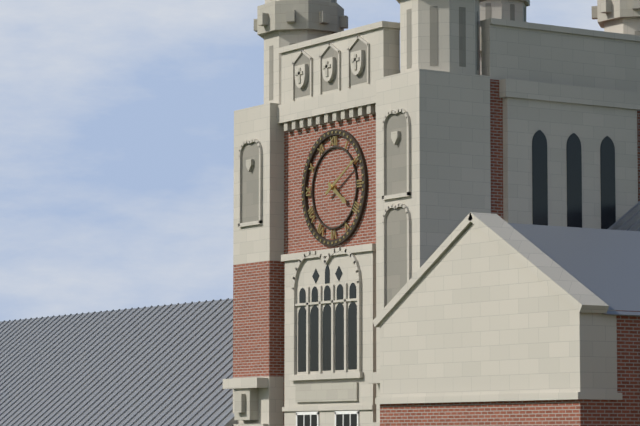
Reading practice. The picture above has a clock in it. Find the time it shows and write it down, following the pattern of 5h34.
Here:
4h10
